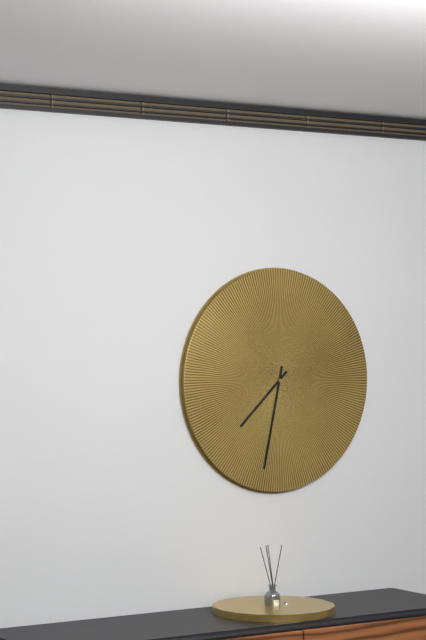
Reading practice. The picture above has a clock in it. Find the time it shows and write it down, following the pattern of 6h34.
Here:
7h32
